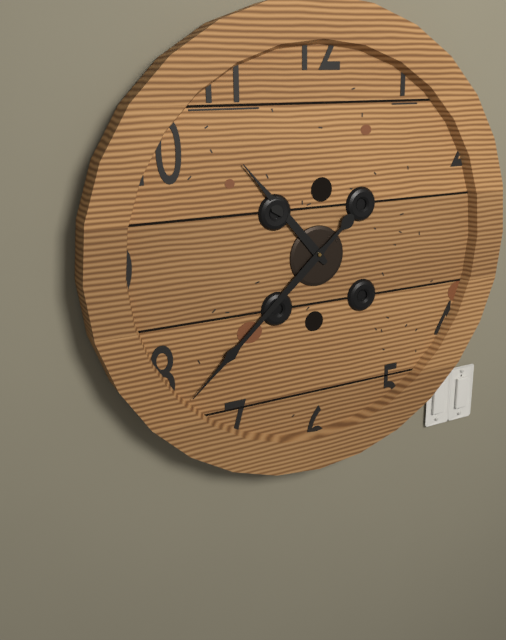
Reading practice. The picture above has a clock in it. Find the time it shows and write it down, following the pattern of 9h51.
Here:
10h38
